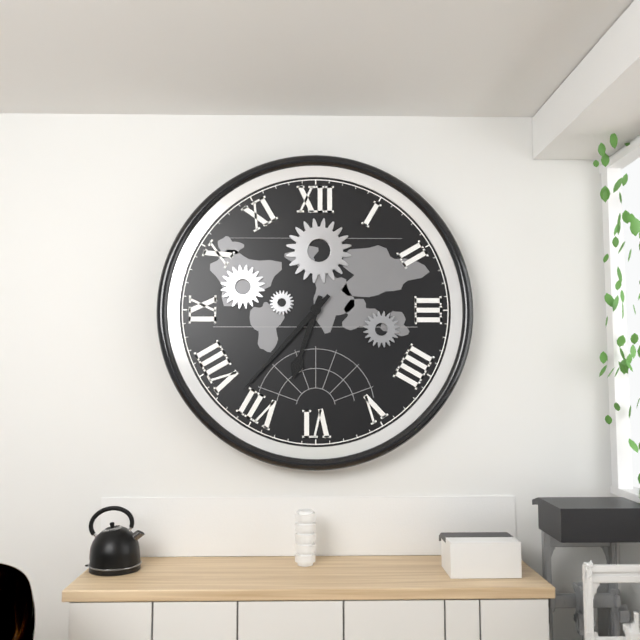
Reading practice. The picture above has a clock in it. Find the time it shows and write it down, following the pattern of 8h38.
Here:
6h37
